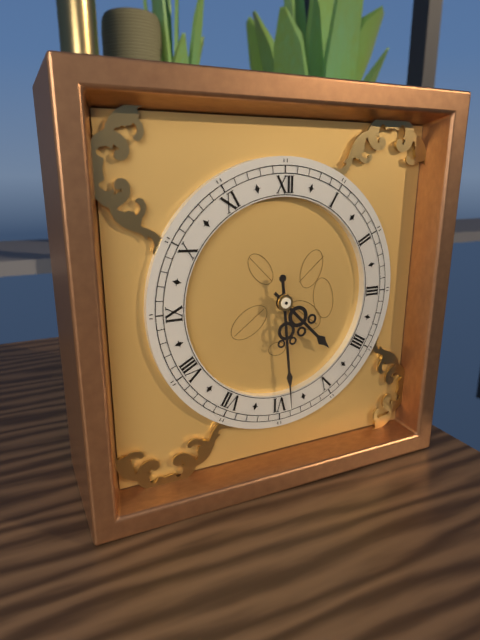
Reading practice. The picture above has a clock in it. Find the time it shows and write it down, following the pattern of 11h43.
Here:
4h29
